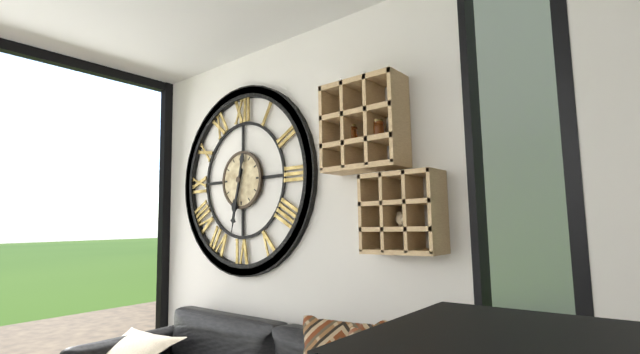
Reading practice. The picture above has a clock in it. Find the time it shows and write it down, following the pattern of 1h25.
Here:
6h32
